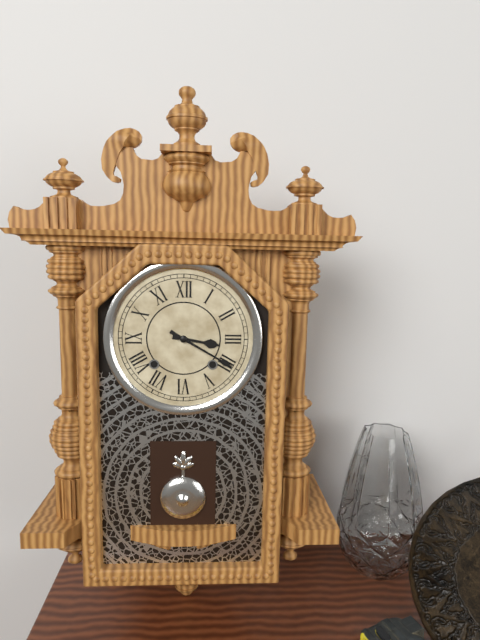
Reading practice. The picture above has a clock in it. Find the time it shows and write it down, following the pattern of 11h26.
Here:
3h20
